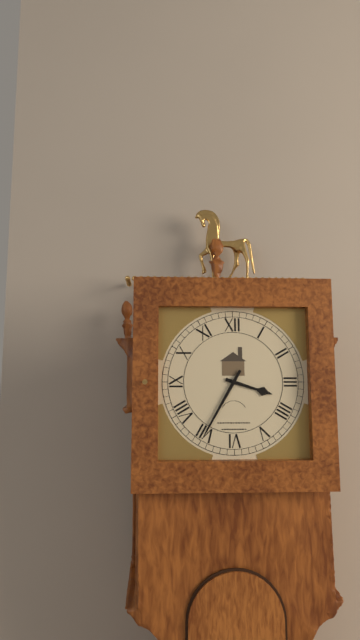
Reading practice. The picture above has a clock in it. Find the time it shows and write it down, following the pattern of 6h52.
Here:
3h35
